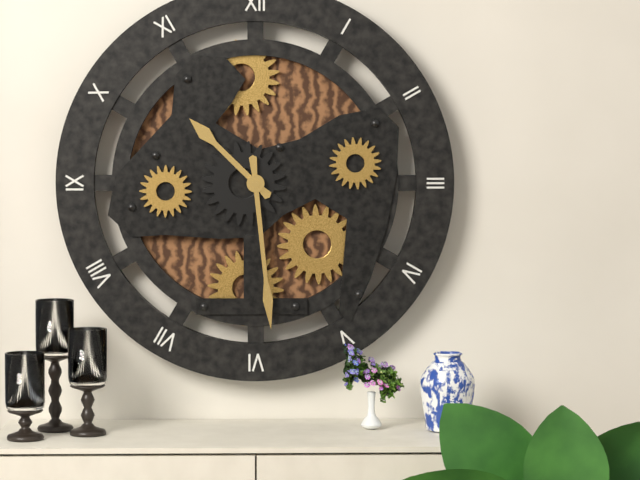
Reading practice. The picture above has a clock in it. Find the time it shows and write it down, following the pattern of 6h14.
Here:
10h29
